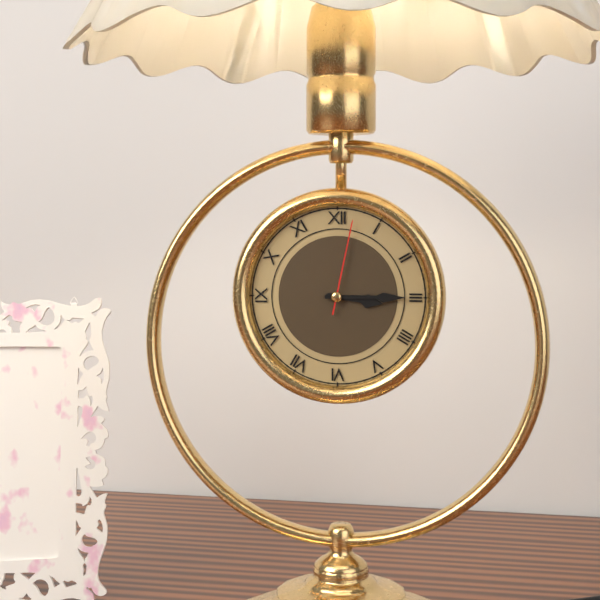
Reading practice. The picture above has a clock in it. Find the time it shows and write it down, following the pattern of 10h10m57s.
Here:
3h15m02s
